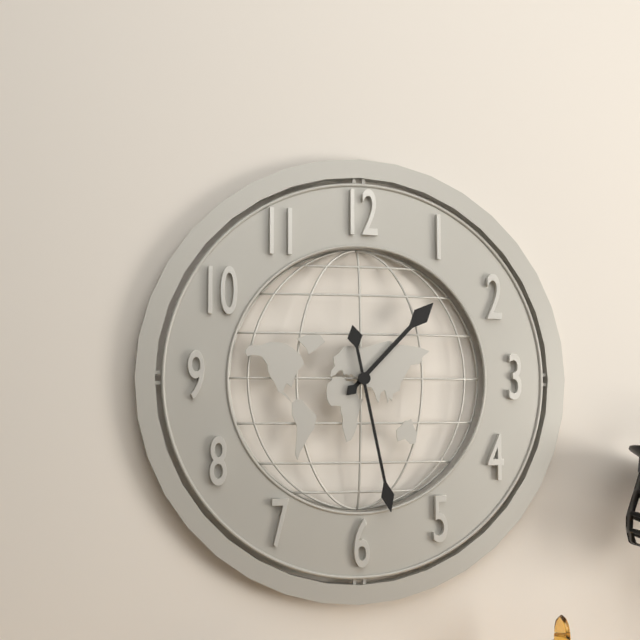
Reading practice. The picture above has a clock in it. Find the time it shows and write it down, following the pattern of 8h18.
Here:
1h28
